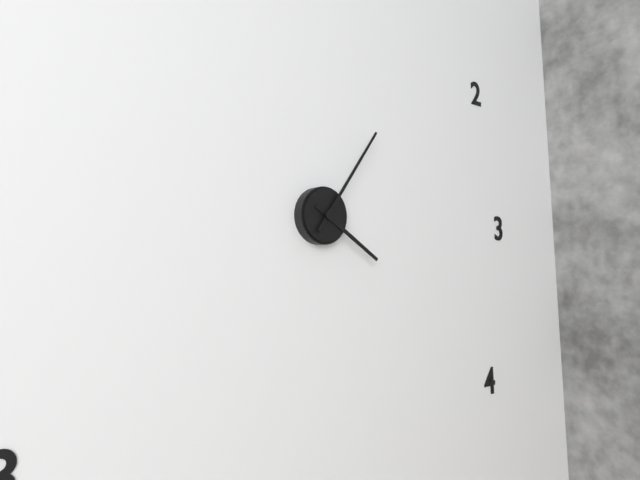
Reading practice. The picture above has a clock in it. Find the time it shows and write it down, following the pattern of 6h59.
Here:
4h06
